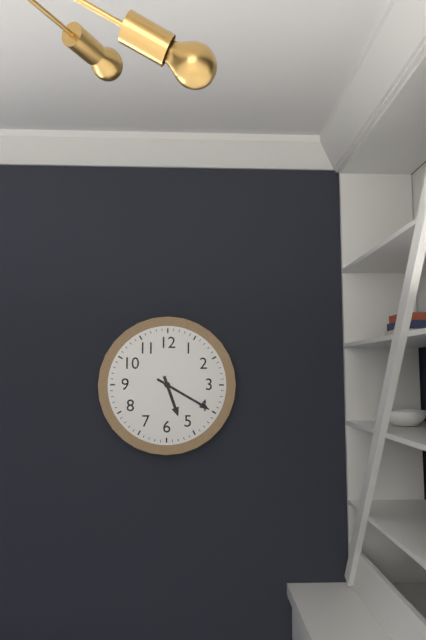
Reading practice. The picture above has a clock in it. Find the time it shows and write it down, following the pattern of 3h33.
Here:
5h20
